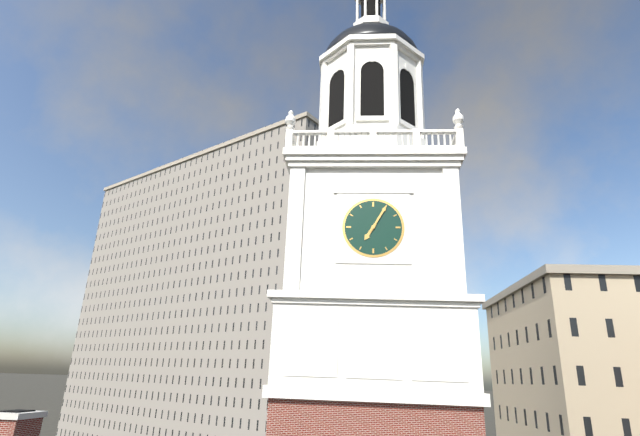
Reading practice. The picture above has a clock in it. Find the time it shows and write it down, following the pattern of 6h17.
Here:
7h05
